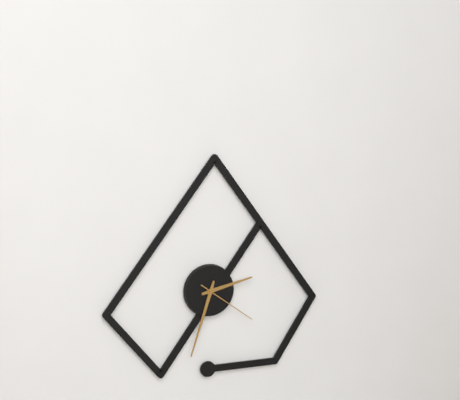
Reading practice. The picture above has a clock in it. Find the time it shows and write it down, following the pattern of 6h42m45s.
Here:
2h33m21s
